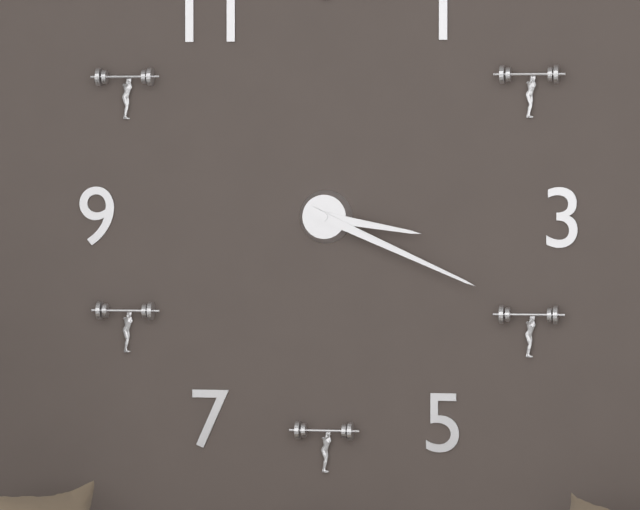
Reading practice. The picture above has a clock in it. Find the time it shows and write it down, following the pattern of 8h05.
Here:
3h19
